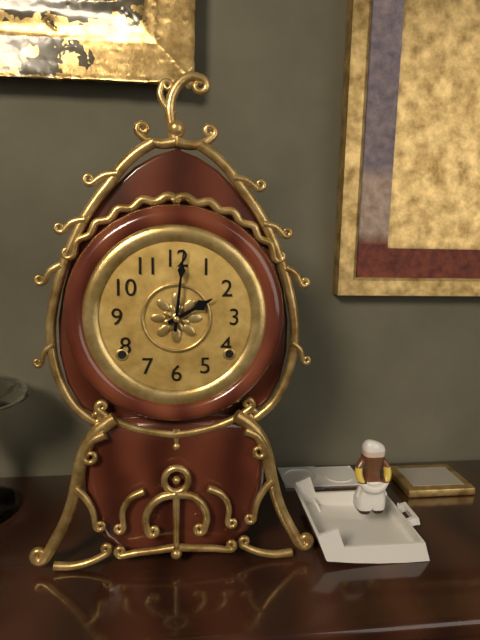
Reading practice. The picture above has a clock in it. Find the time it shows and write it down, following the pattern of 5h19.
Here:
2h01
